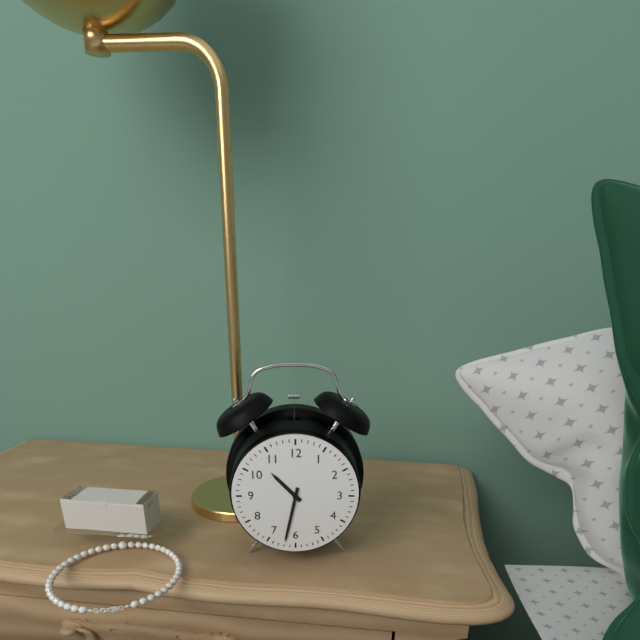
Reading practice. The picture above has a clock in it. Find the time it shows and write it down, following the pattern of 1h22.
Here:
10h32
